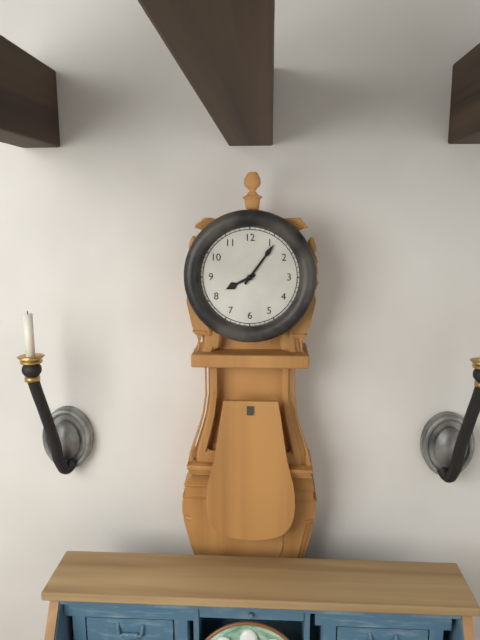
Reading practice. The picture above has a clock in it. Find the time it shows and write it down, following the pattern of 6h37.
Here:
8h06
